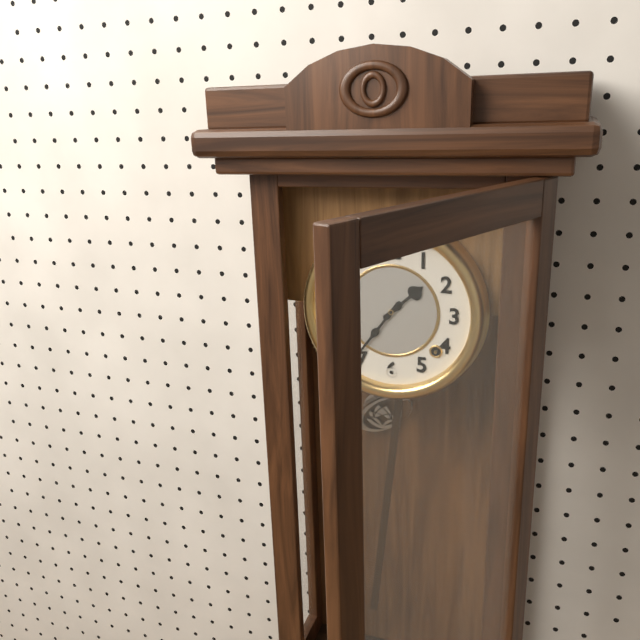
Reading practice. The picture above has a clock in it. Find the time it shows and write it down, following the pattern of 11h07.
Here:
1h36
